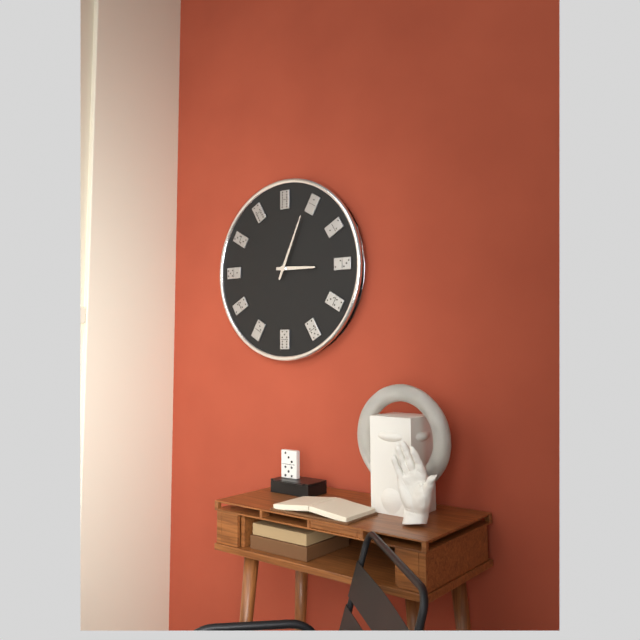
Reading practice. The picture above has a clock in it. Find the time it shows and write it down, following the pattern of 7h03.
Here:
3h04
